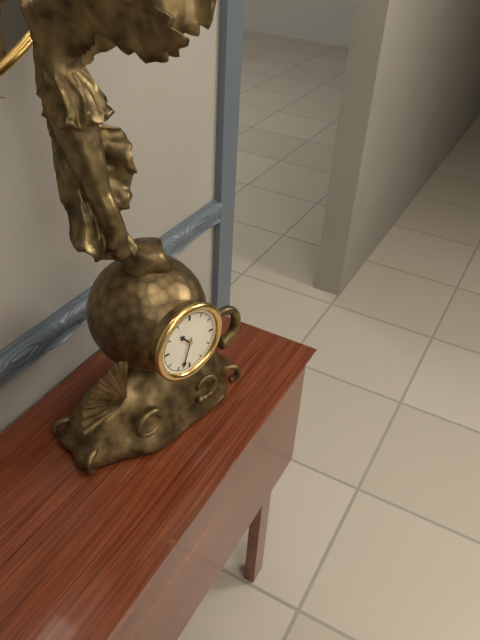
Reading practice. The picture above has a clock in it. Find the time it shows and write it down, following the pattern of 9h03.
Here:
10h33
